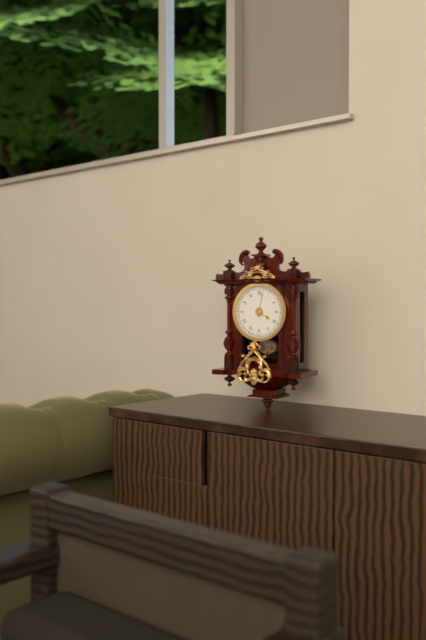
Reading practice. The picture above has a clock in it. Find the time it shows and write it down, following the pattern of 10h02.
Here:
4h02
